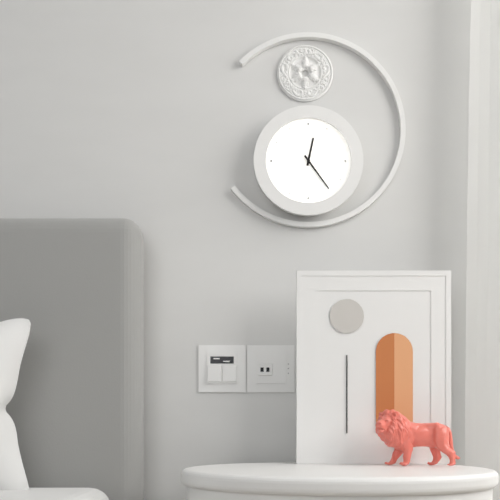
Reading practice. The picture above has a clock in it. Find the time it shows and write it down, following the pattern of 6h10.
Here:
12h24
